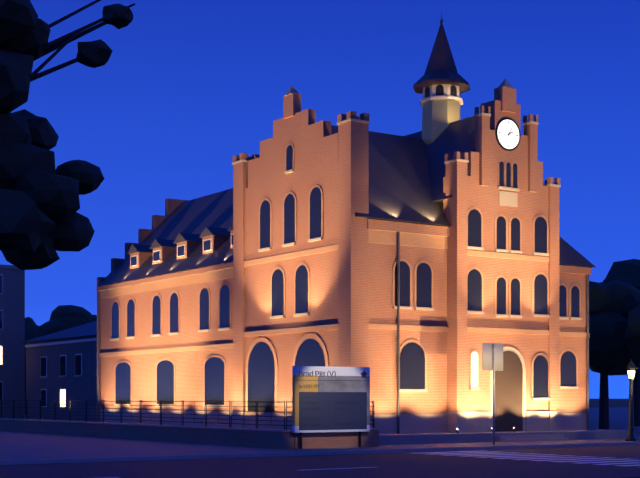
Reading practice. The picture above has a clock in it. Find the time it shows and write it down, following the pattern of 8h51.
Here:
2h05
